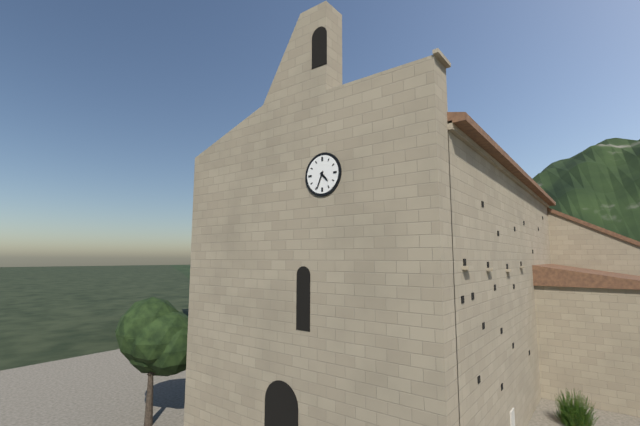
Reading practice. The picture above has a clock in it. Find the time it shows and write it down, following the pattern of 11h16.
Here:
4h34
